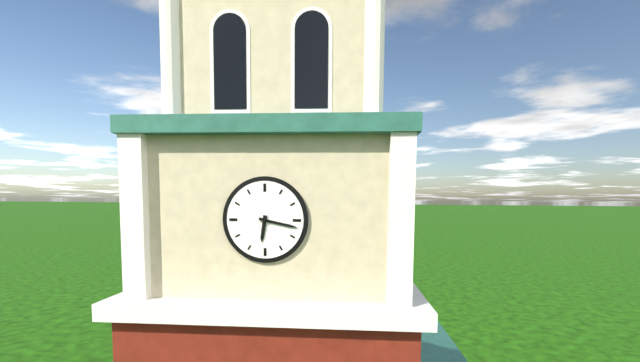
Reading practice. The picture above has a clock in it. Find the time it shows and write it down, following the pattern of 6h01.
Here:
6h17
